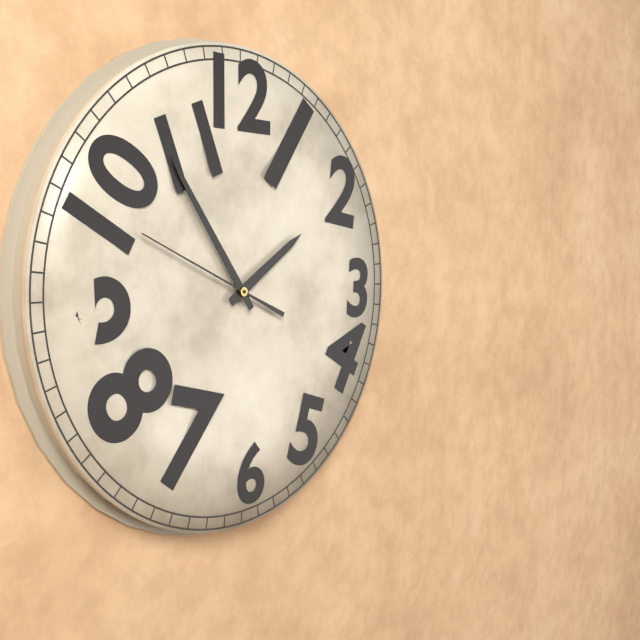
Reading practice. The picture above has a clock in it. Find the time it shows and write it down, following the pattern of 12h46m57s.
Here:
1h54m49s
